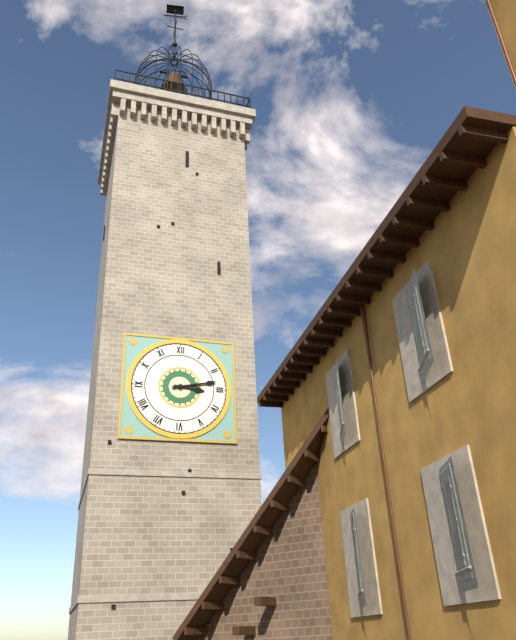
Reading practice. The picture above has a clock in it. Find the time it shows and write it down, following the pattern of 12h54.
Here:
3h13
